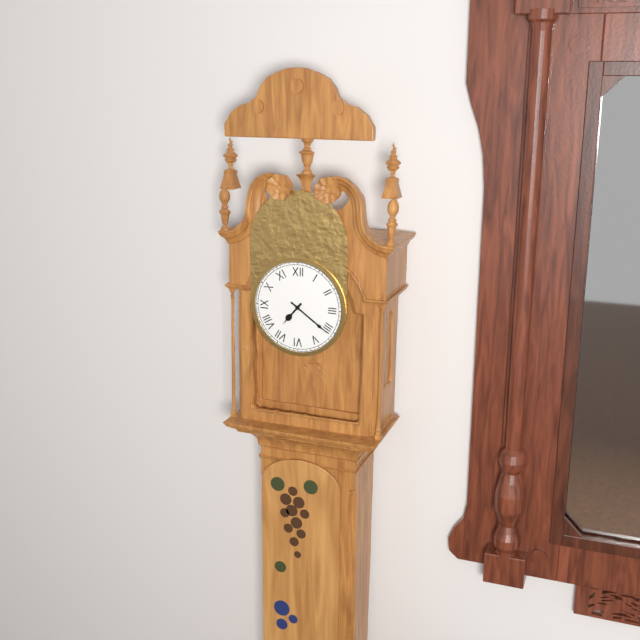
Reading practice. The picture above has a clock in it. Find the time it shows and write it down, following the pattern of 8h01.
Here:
7h21
